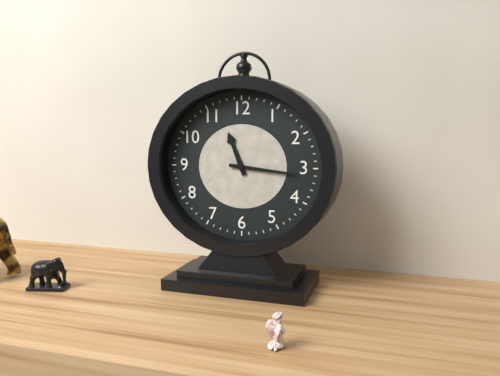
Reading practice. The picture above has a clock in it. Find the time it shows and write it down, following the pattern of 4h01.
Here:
11h16
